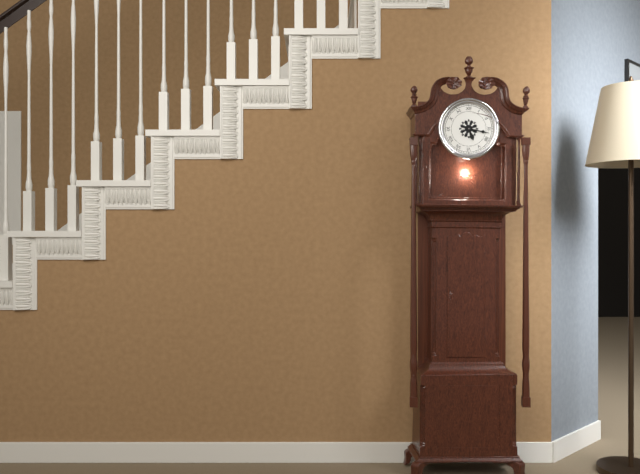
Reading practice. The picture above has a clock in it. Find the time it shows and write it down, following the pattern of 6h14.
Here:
5h17
